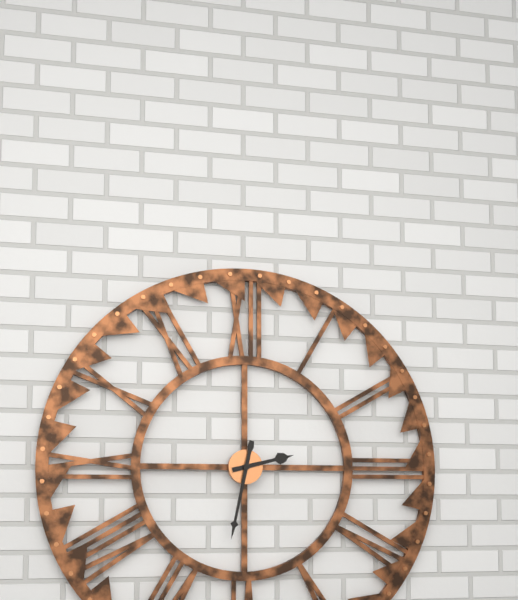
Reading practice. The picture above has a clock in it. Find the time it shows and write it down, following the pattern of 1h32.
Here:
2h32
